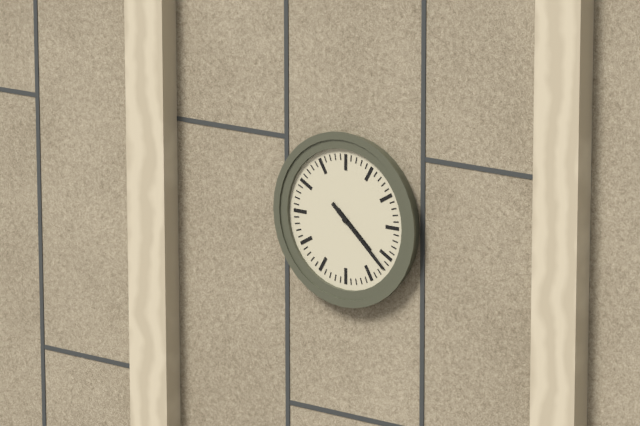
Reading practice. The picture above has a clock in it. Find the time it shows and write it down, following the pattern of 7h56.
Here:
4h22
